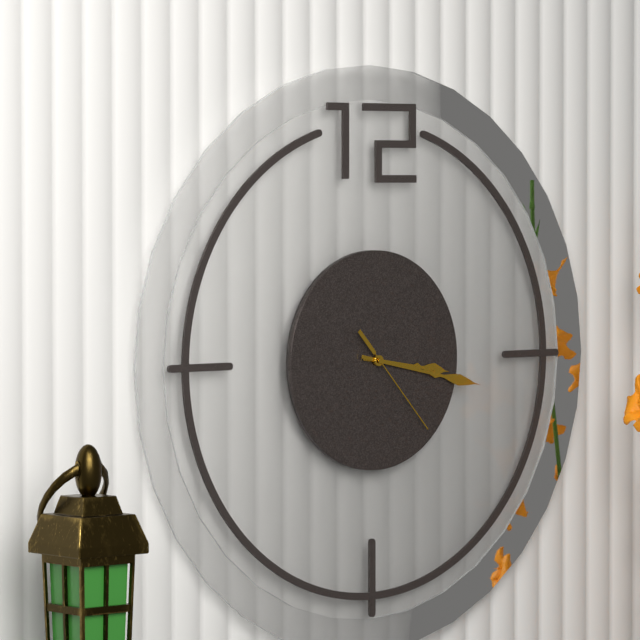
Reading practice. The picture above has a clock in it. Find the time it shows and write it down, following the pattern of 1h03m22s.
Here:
3h17m23s
